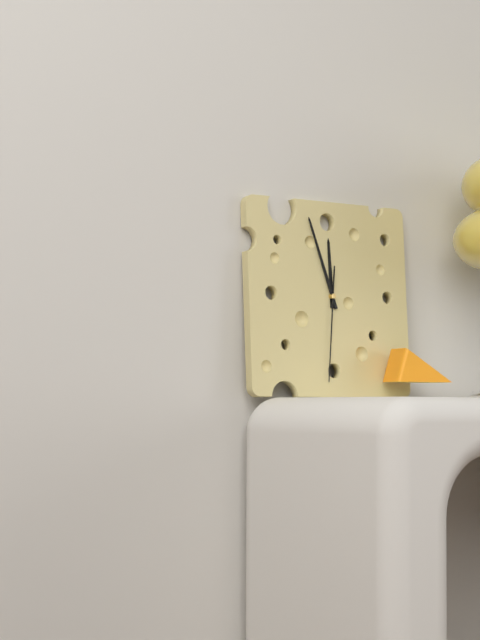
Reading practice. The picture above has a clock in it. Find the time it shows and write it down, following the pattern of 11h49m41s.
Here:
11h57m31s
